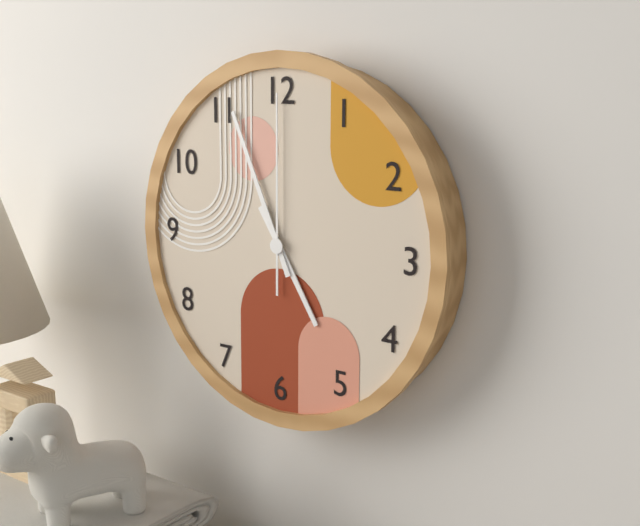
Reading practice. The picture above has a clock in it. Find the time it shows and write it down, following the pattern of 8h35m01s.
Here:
4h56m00s
